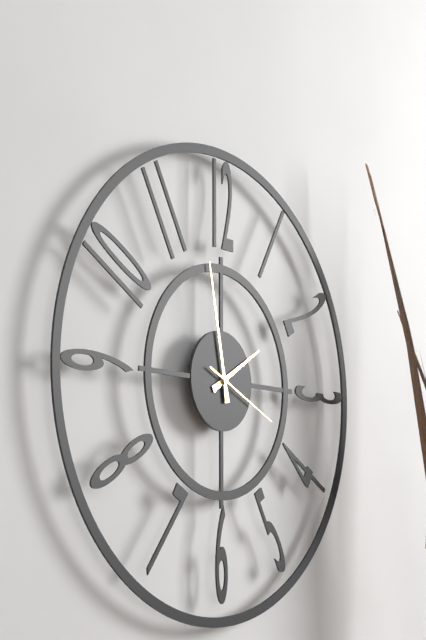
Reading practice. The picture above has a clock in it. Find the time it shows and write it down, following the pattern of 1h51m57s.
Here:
1h58m19s
